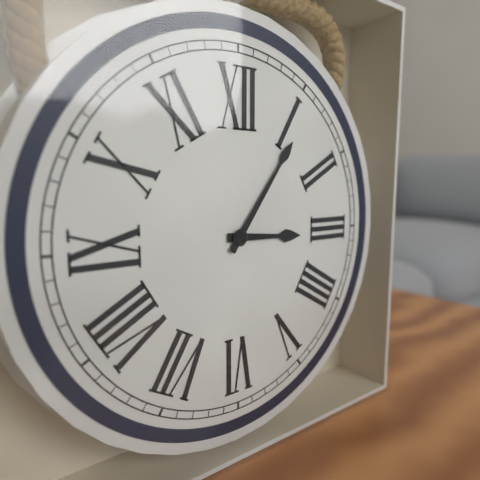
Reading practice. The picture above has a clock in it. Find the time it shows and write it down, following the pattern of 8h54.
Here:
3h06
